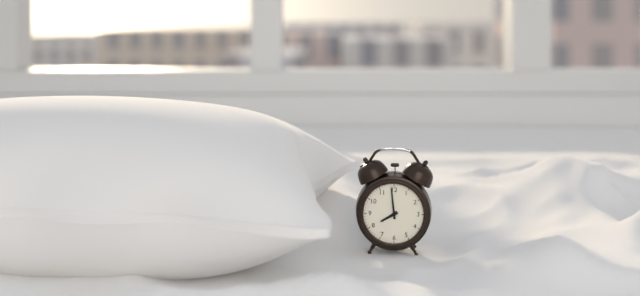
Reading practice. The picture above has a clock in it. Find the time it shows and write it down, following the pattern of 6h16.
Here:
7h59
